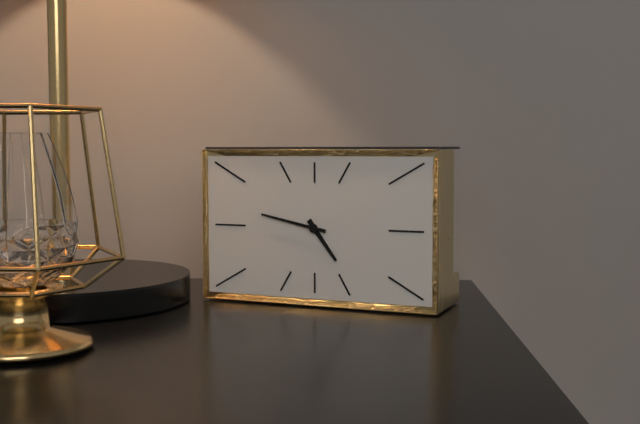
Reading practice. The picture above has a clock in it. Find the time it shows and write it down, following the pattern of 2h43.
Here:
4h47
